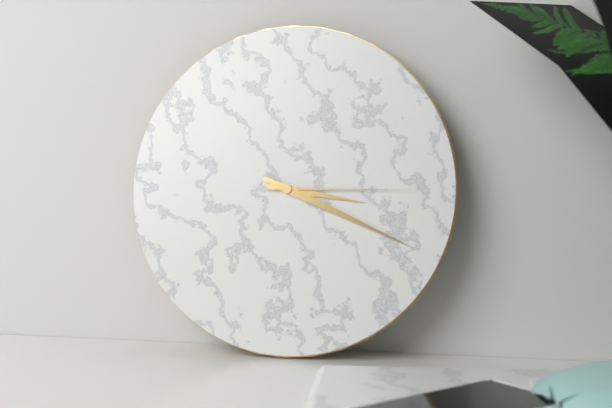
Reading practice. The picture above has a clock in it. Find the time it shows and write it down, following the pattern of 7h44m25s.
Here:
3h19m15s
